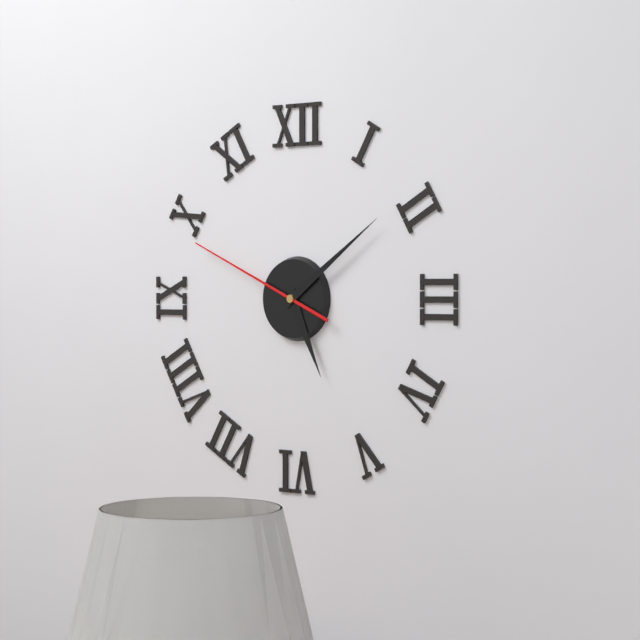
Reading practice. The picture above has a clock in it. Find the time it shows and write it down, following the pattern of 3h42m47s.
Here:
5h09m49s
